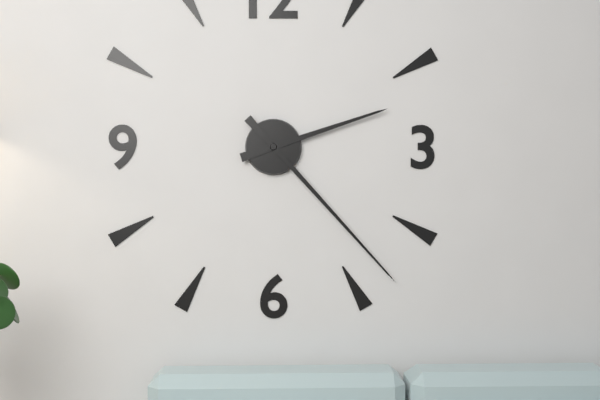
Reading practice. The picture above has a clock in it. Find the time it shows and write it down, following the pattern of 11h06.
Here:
2h23
